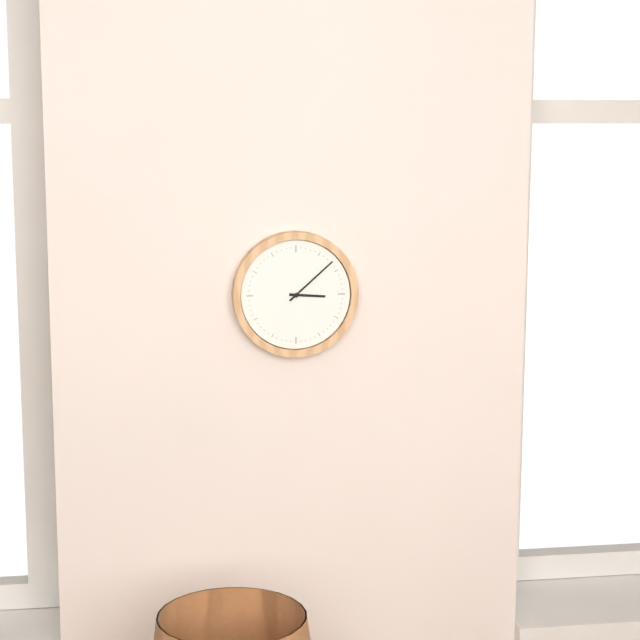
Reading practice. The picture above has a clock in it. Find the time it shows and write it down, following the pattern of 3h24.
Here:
3h08
